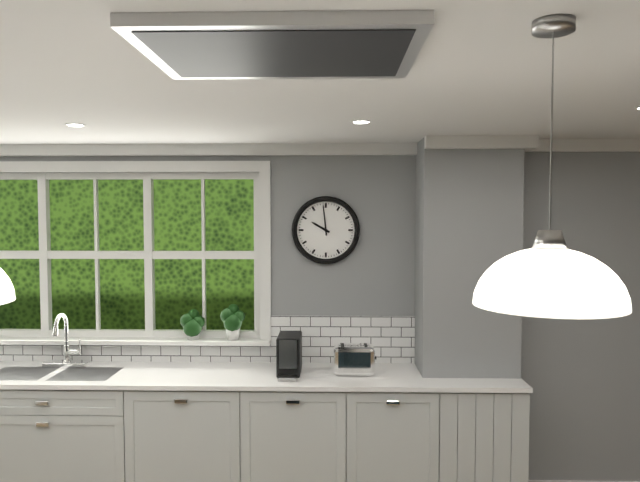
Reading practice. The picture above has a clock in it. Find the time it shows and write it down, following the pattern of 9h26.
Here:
9h59
